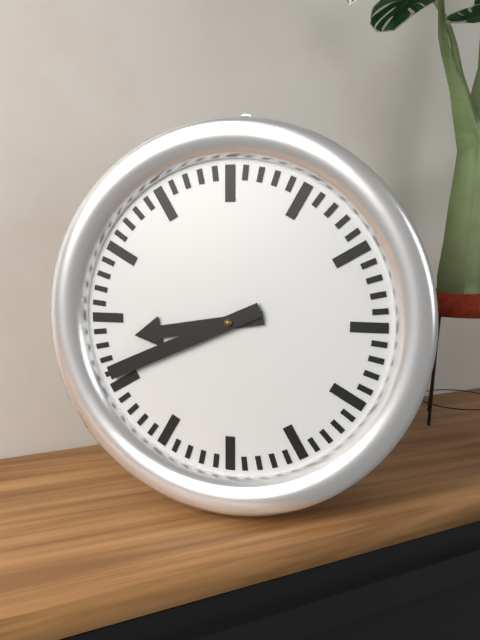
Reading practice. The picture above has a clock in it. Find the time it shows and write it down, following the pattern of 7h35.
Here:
8h41
